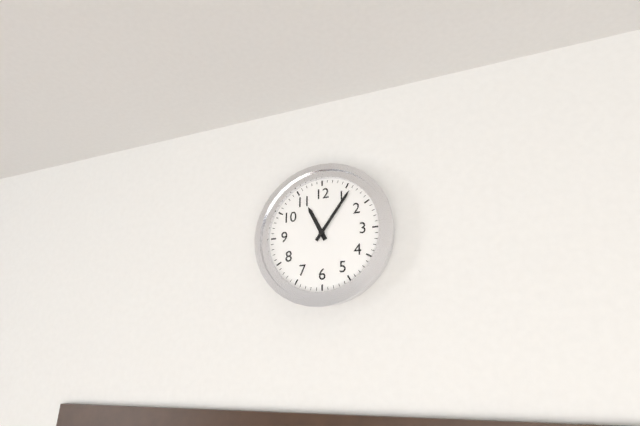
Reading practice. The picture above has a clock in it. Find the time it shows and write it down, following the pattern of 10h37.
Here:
11h06
